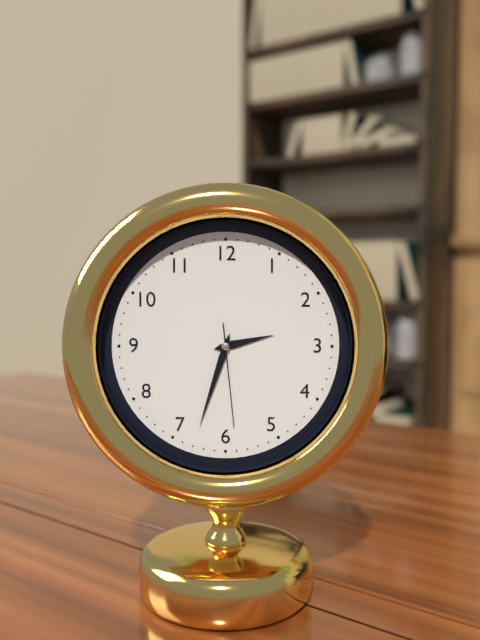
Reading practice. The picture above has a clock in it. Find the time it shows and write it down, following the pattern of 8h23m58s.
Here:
2h33m29s
